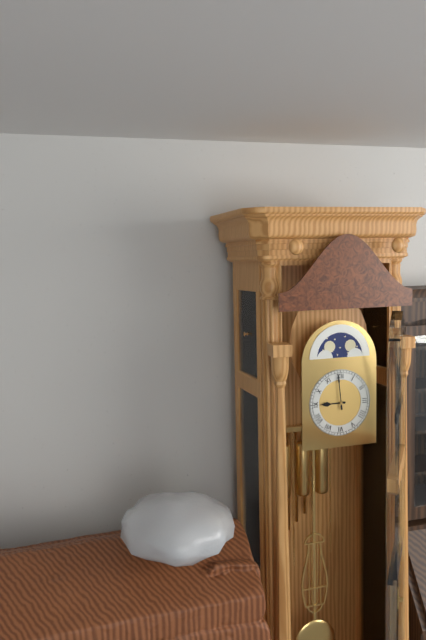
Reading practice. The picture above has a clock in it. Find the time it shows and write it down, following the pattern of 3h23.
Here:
8h59
